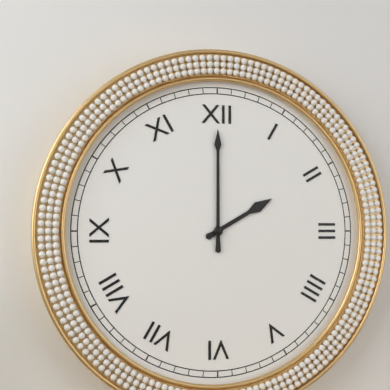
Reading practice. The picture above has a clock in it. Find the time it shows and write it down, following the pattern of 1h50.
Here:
2h00
